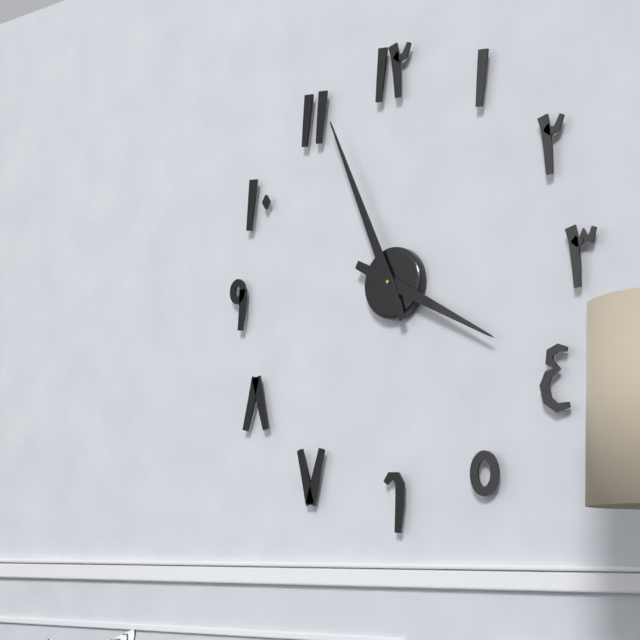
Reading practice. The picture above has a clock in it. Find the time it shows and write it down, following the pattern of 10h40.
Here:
3h56
